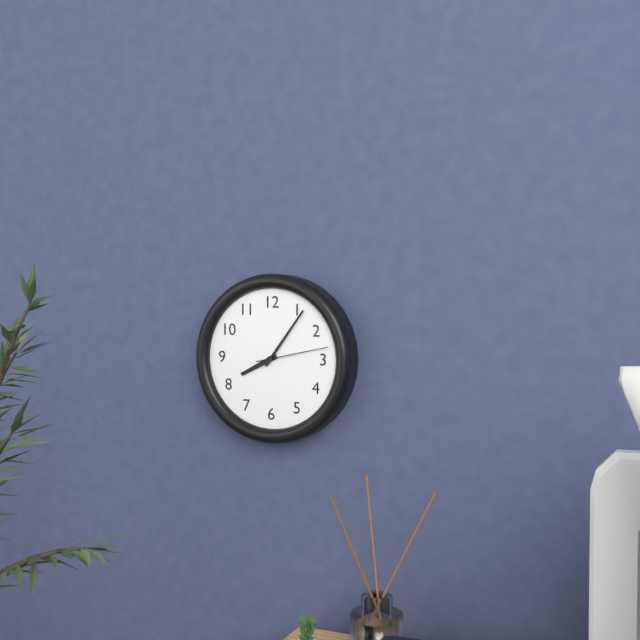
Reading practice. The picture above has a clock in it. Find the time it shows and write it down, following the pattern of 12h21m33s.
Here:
8h06m13s
